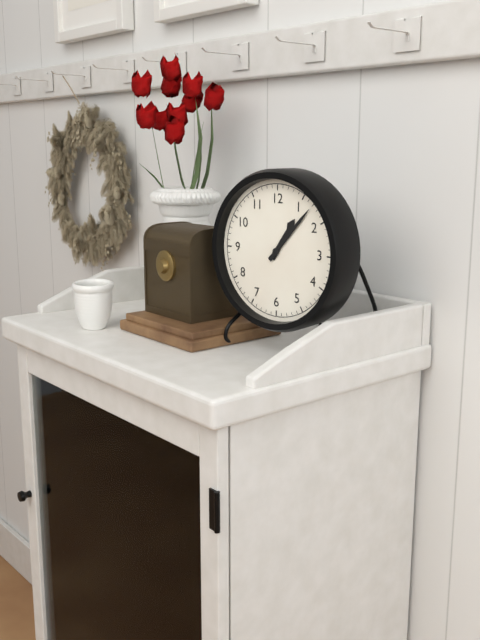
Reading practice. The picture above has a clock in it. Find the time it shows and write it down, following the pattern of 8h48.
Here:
1h07
